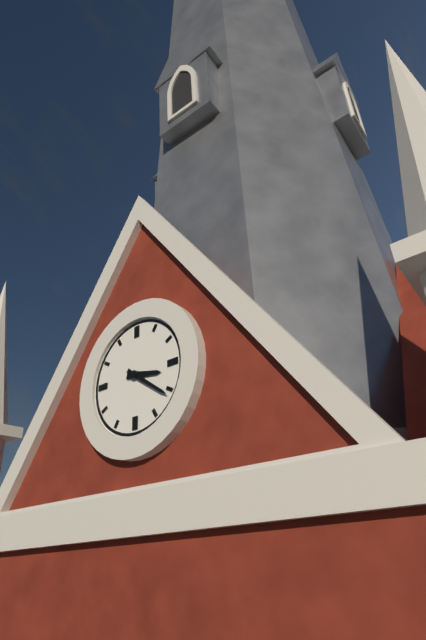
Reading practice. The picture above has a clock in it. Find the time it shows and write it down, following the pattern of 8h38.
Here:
3h21
